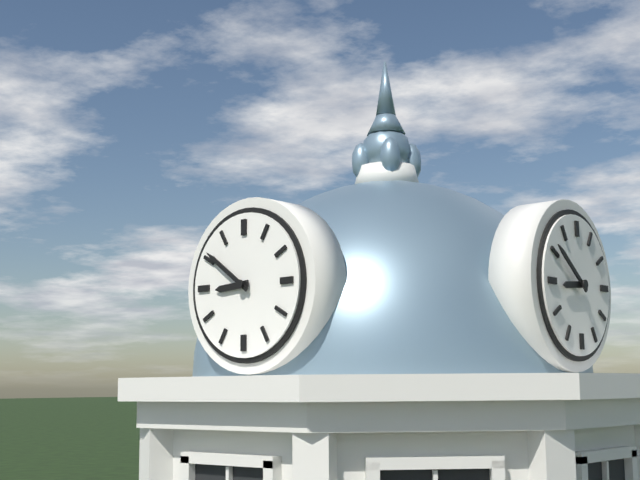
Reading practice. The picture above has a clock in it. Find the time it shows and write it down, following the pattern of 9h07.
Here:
8h51
